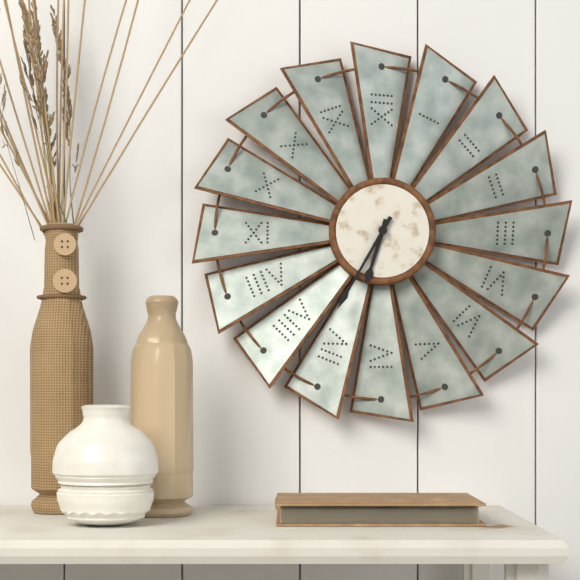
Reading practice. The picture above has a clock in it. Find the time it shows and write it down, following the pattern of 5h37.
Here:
6h35
